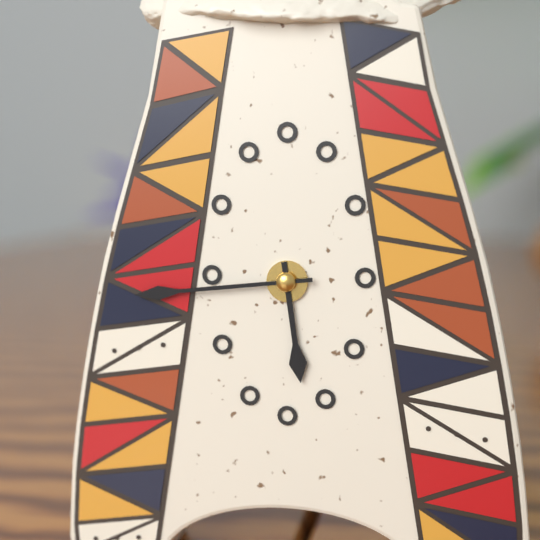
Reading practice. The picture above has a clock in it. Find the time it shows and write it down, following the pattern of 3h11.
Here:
5h44
